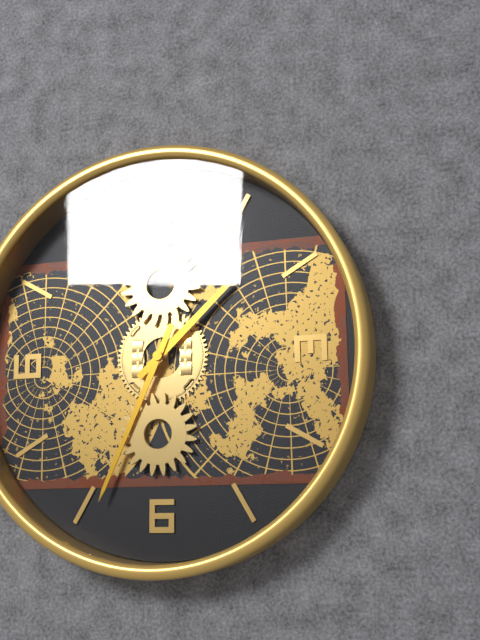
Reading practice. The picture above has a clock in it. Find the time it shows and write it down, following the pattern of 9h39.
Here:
1h34
